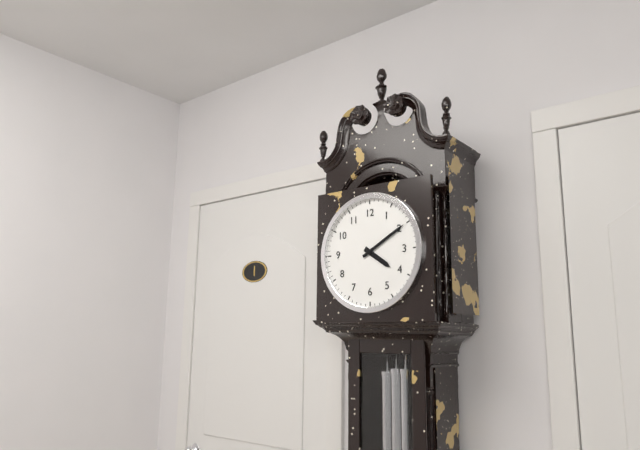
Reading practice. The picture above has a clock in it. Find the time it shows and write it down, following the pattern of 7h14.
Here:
4h10
